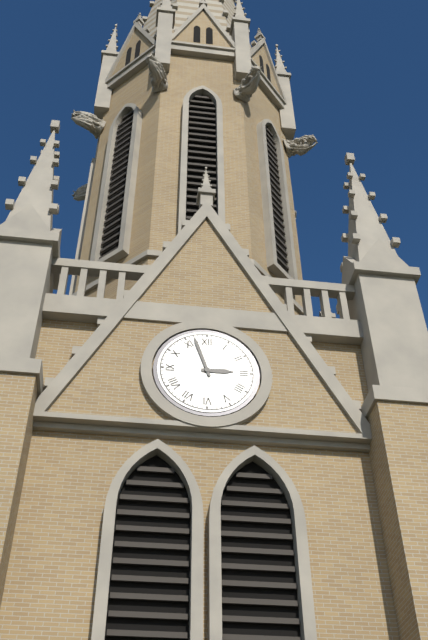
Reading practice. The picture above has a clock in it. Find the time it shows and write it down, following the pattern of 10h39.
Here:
2h57
